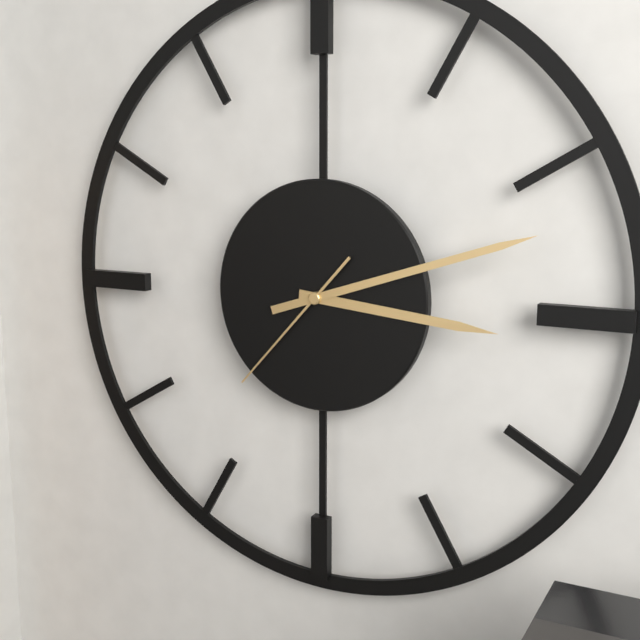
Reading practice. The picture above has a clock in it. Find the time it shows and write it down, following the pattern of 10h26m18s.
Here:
3h12m37s
